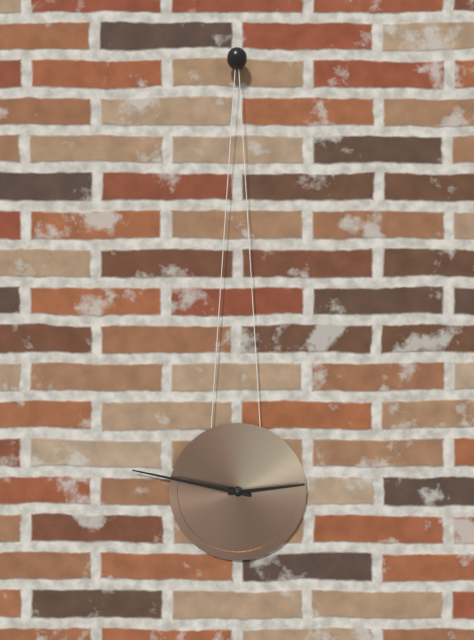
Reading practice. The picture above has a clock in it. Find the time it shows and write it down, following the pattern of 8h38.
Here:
2h47
